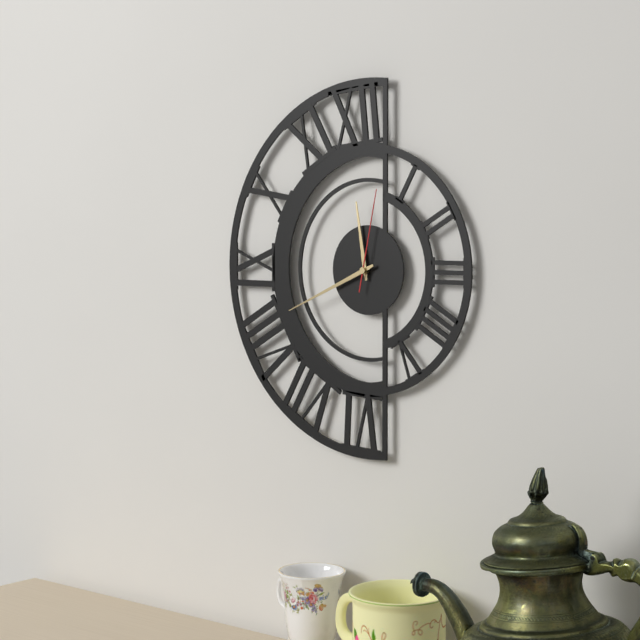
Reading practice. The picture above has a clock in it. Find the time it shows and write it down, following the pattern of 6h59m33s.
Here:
11h41m02s
